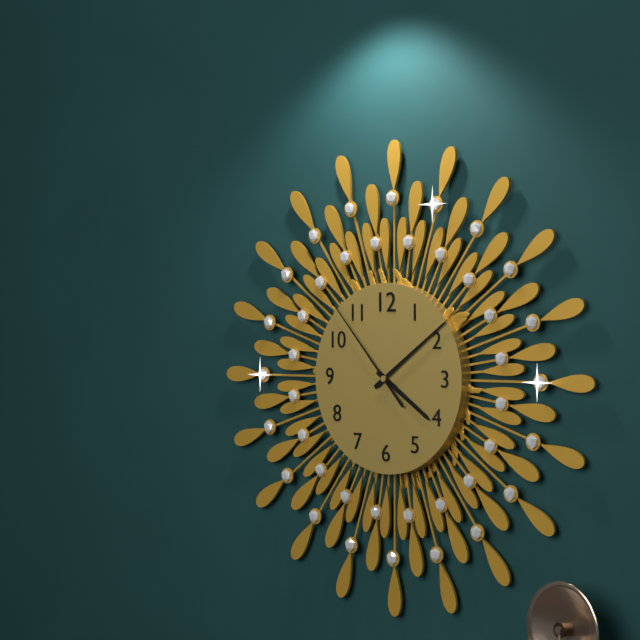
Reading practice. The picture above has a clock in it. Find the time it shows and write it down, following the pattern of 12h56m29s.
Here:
4h09m53s
